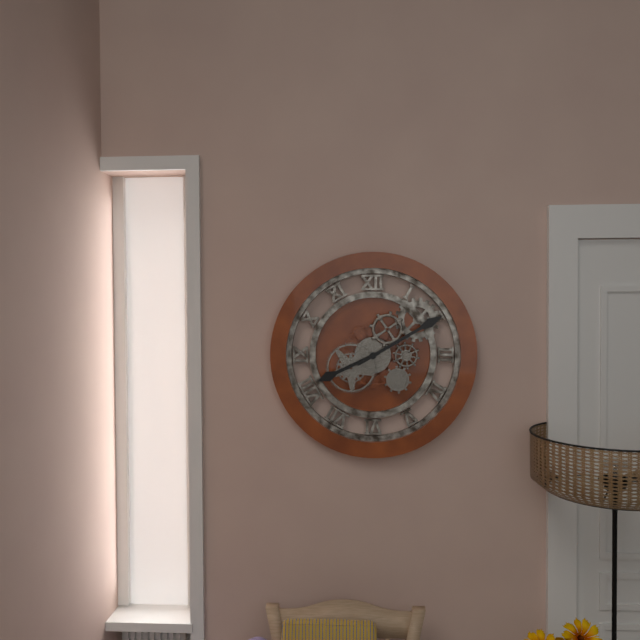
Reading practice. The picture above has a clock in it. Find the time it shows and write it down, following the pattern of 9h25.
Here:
8h10
